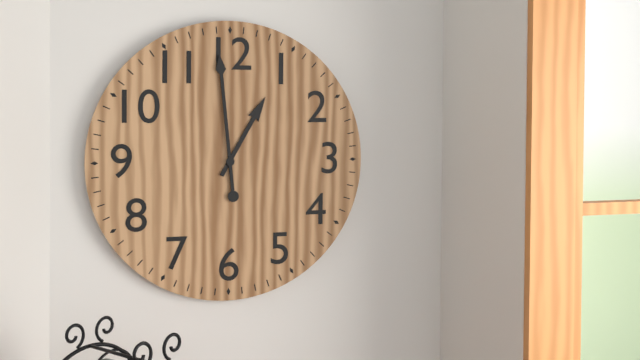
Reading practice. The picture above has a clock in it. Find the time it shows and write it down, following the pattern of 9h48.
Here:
12h59
